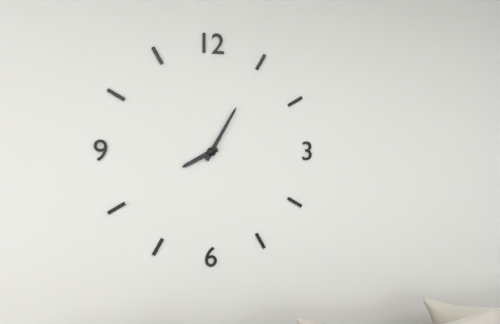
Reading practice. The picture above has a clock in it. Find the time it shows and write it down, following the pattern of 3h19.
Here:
8h05
